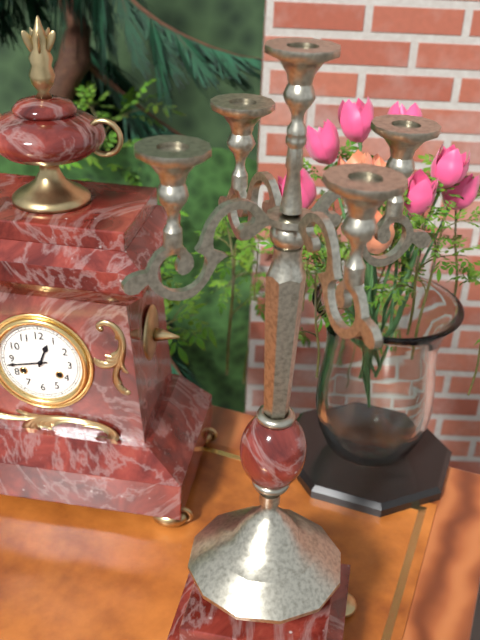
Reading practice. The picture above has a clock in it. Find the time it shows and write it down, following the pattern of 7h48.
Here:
12h43
